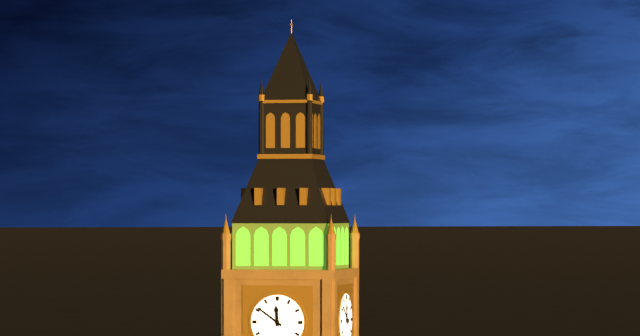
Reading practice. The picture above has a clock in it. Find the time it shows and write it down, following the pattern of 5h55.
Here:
11h51
